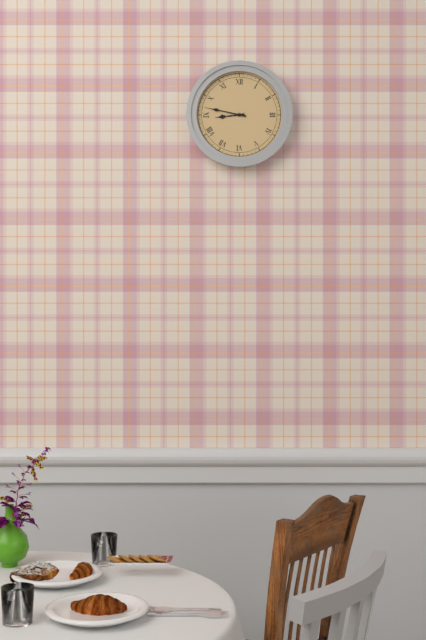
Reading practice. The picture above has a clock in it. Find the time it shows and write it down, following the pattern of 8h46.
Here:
8h47
